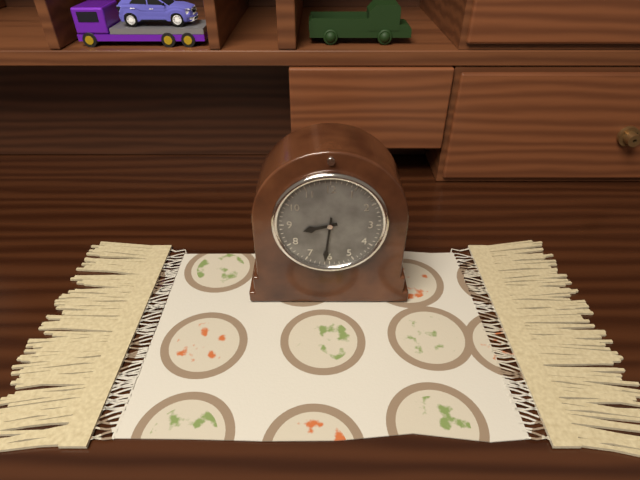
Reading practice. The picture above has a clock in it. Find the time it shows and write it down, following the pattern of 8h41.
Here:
8h31
